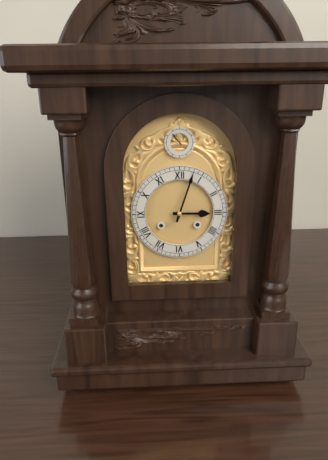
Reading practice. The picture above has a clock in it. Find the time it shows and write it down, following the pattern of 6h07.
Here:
3h03
